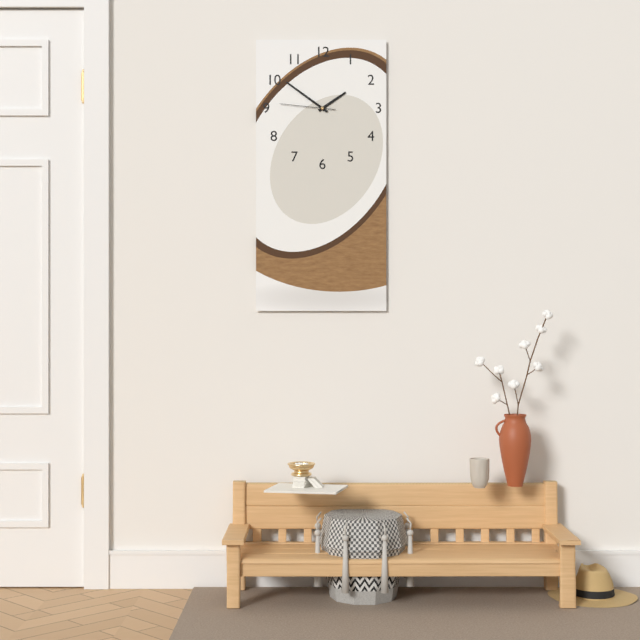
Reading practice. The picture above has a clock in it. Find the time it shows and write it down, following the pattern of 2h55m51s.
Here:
1h51m46s
